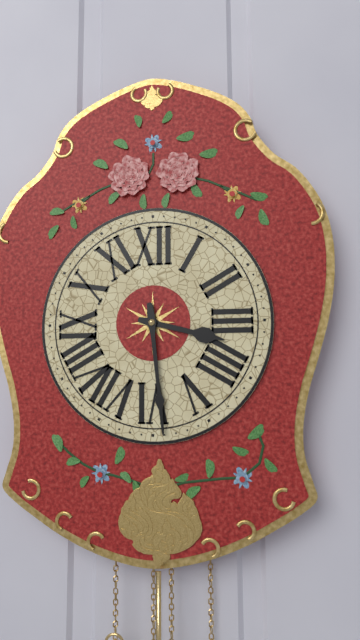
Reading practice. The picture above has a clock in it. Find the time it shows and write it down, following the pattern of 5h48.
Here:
3h29
